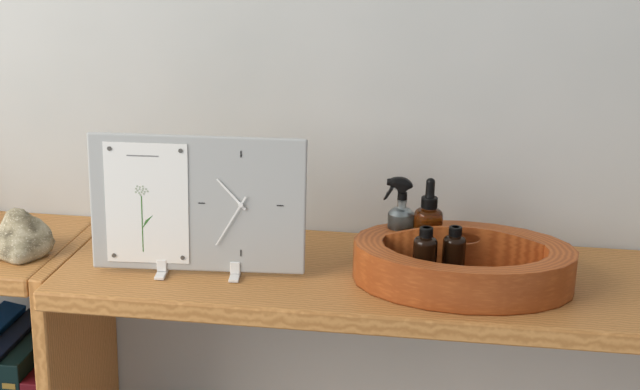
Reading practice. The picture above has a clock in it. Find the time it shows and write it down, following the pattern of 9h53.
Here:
10h35
